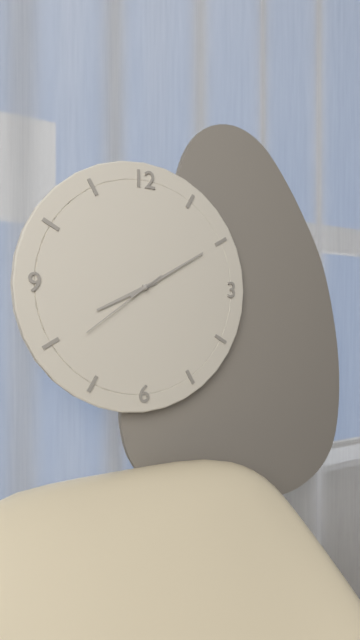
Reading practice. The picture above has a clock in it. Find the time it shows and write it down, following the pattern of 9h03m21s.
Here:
8h10m39s
